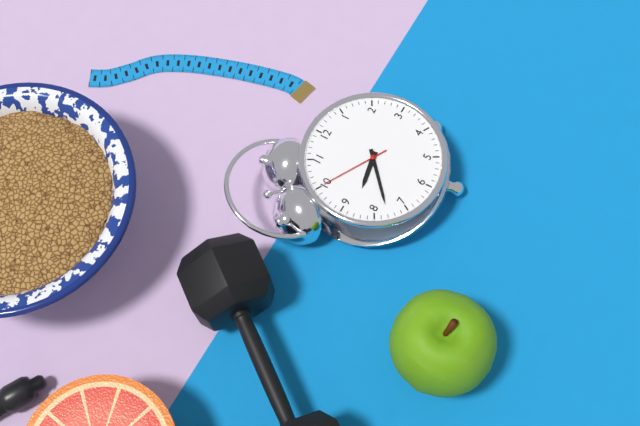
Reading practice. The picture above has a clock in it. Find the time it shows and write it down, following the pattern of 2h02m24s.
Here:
8h38m50s
